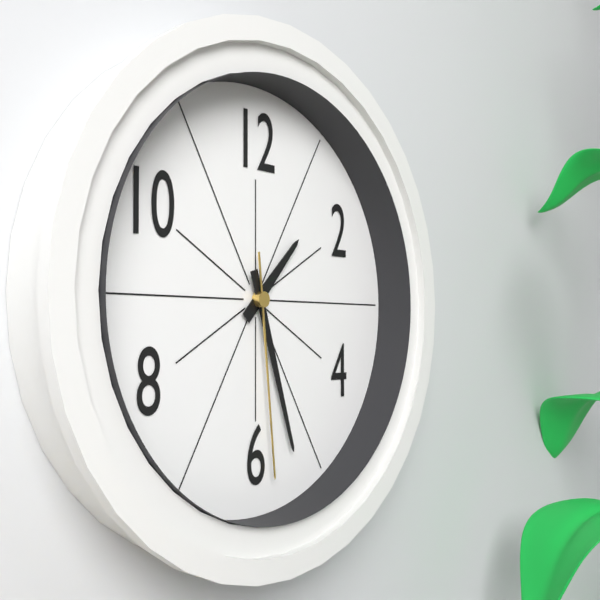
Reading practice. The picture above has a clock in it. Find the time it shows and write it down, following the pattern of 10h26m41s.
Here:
1h27m29s
